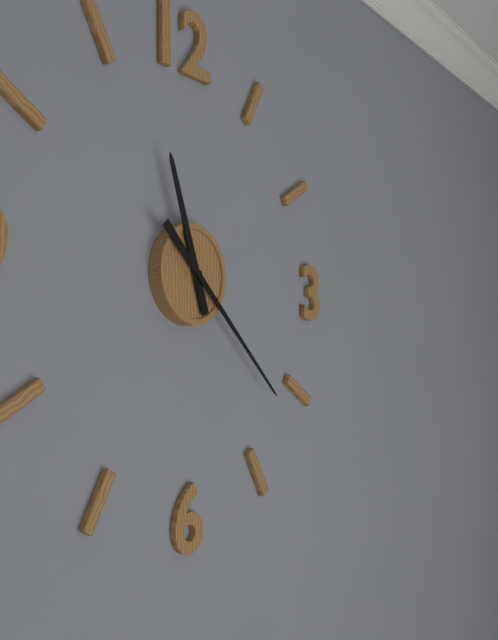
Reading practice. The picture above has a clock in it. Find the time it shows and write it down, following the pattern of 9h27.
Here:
11h22
